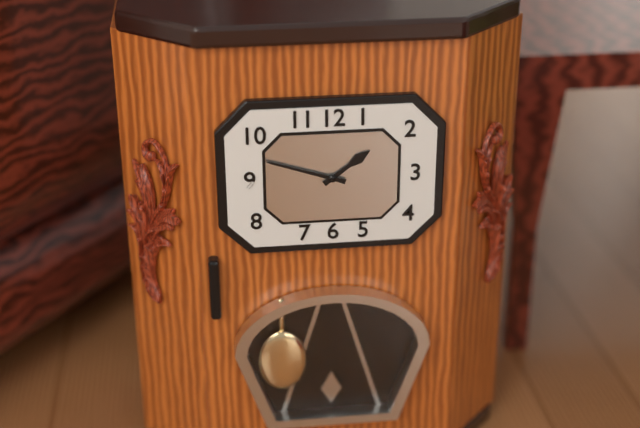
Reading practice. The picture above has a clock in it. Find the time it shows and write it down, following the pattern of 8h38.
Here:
1h48
